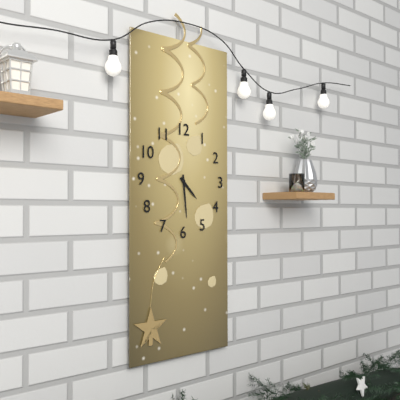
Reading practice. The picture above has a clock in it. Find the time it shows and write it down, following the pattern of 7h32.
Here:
4h29
